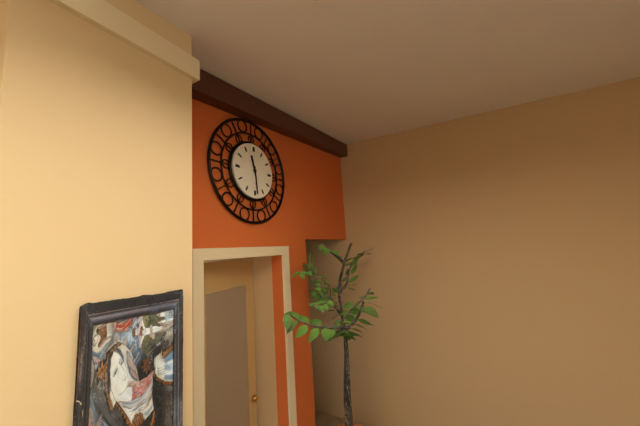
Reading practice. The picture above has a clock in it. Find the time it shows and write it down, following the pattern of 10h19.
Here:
11h29
